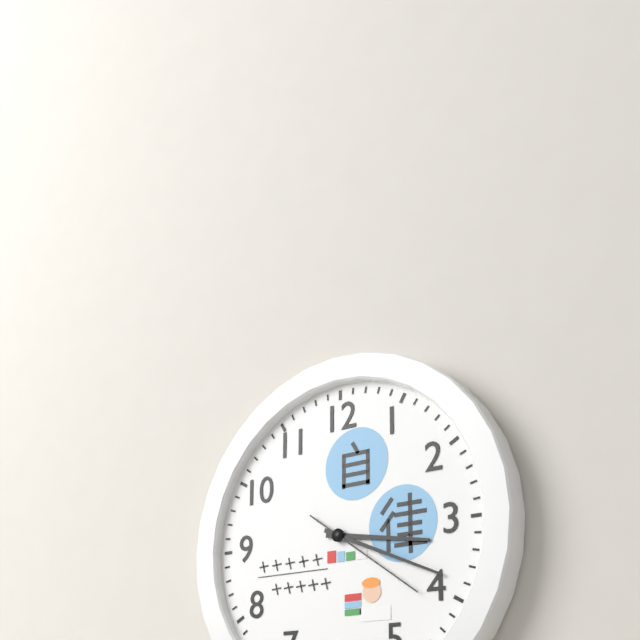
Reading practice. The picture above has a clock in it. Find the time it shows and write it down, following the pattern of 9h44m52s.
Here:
3h19m21s
